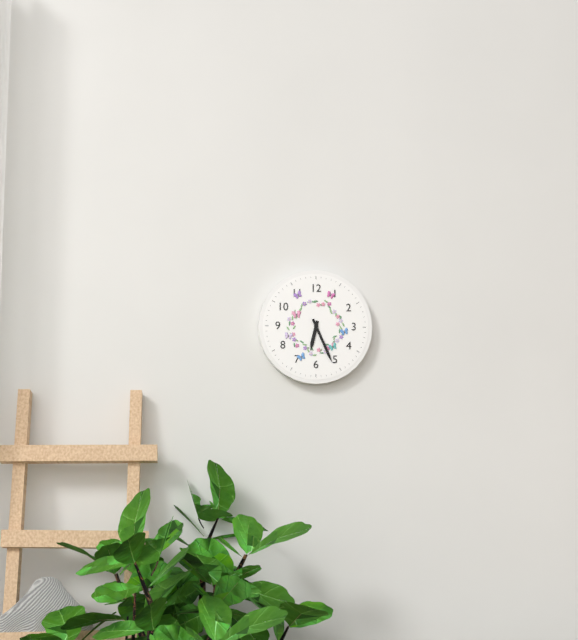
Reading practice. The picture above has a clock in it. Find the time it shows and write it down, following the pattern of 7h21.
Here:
6h26
